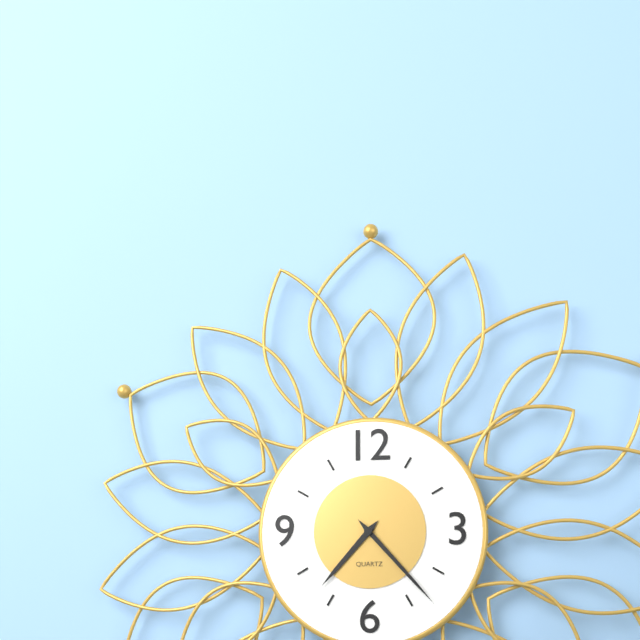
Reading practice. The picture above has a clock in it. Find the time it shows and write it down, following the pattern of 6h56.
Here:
7h23
